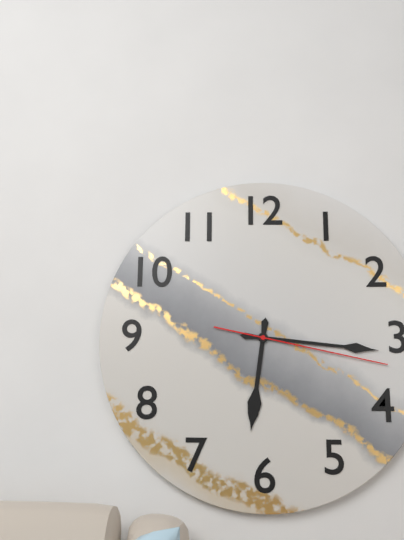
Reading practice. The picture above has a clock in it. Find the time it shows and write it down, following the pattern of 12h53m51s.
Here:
6h16m17s
